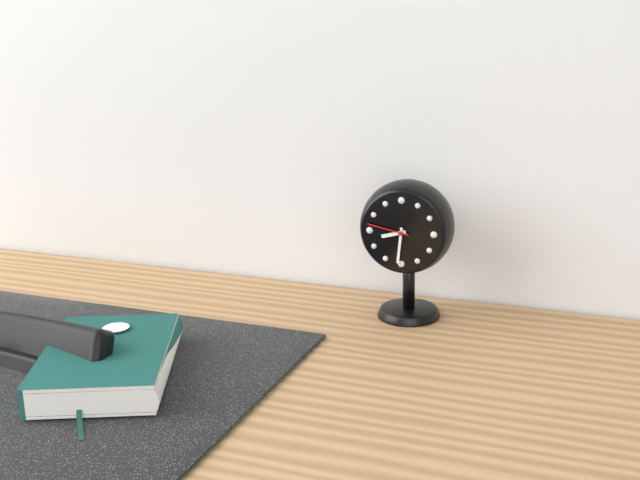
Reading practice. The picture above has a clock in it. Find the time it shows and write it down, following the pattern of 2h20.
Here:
8h31
